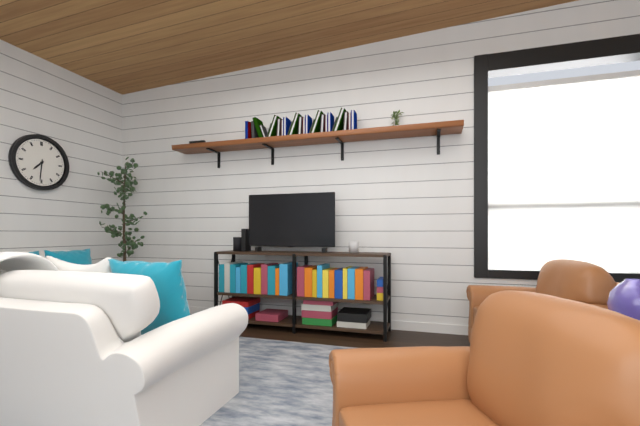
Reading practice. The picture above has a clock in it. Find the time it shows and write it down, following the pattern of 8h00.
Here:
7h31
